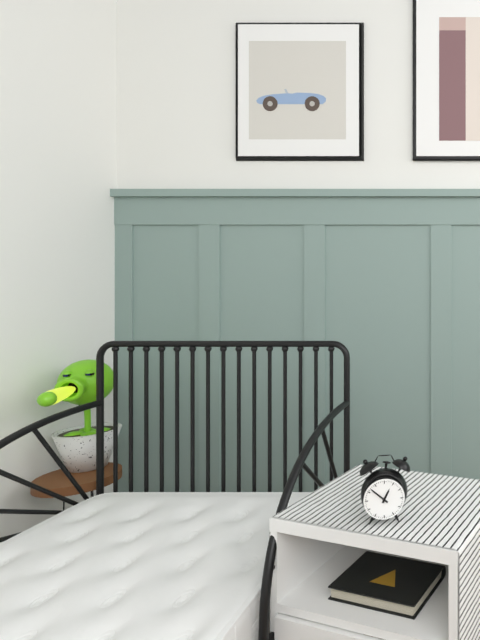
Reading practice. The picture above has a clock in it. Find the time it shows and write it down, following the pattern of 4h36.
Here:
12h52
